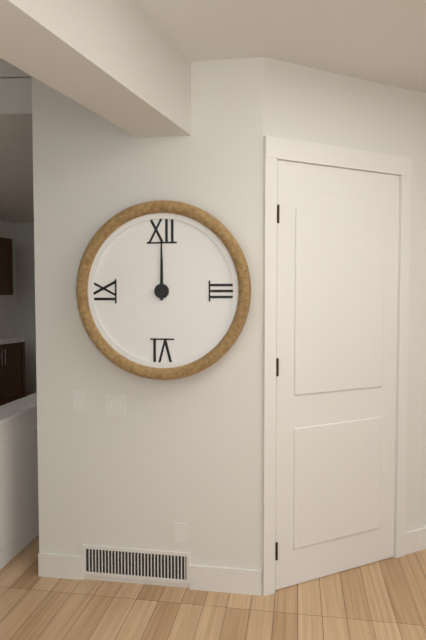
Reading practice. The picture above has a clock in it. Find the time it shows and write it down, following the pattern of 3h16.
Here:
12h00
